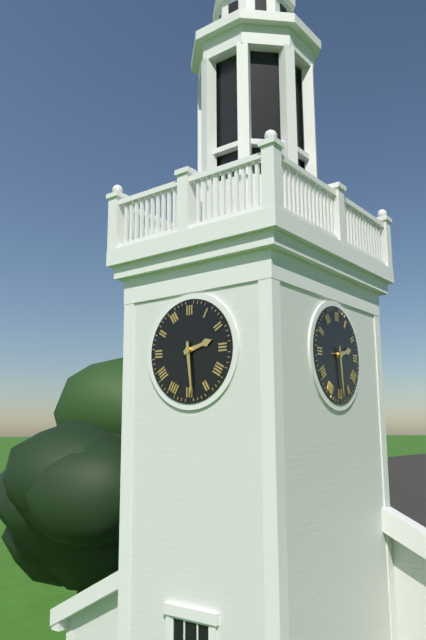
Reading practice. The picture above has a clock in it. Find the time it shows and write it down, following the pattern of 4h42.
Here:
2h29
